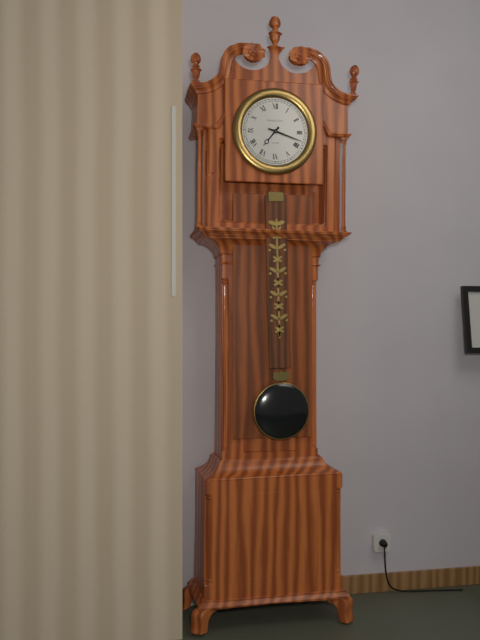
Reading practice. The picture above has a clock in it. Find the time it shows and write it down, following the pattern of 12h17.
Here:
7h18
